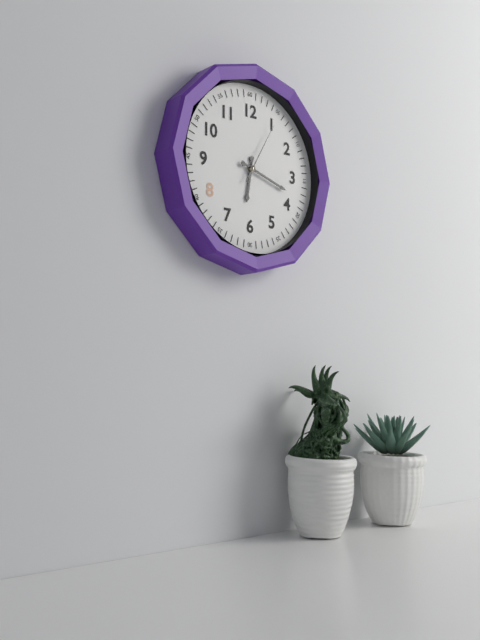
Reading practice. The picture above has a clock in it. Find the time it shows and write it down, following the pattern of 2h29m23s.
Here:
6h18m05s
